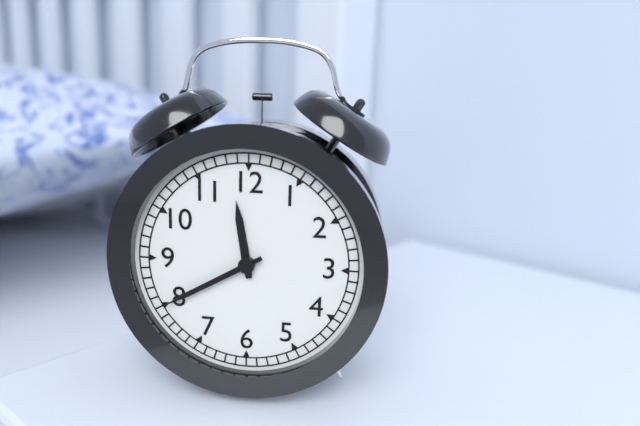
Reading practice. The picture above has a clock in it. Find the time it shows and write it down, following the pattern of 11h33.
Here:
11h40
